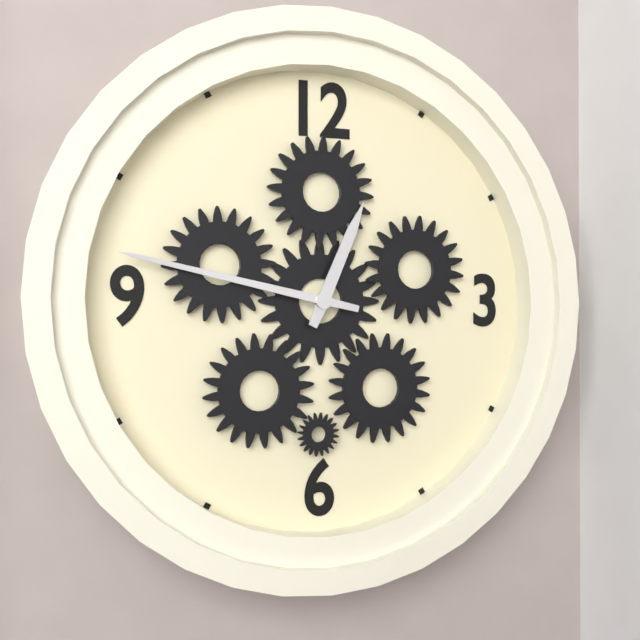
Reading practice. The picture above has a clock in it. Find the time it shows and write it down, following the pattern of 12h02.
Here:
12h47
